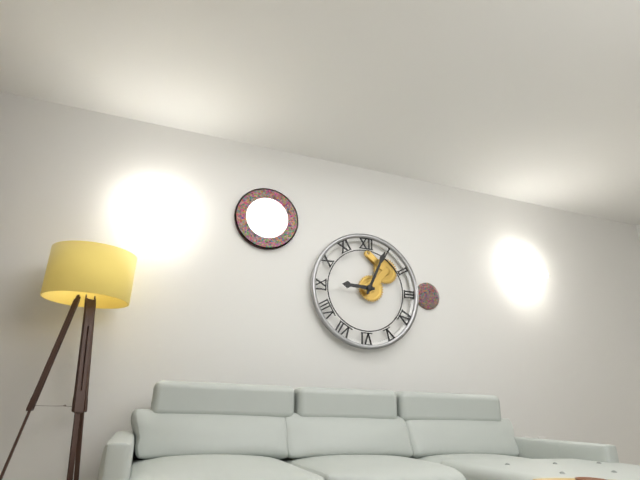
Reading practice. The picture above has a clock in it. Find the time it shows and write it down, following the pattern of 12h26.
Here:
9h04
